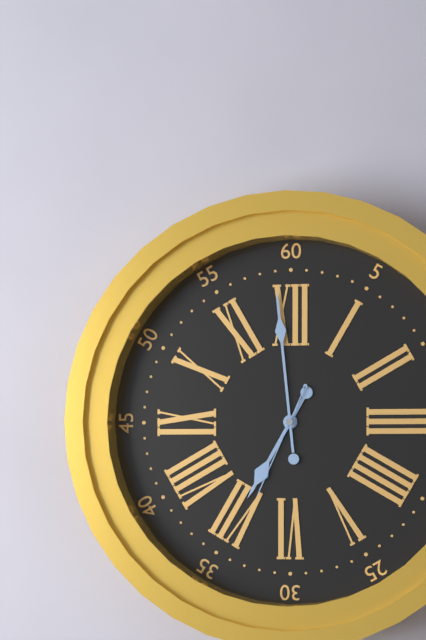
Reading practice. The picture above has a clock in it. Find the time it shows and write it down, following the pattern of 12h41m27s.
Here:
6h59m34s
